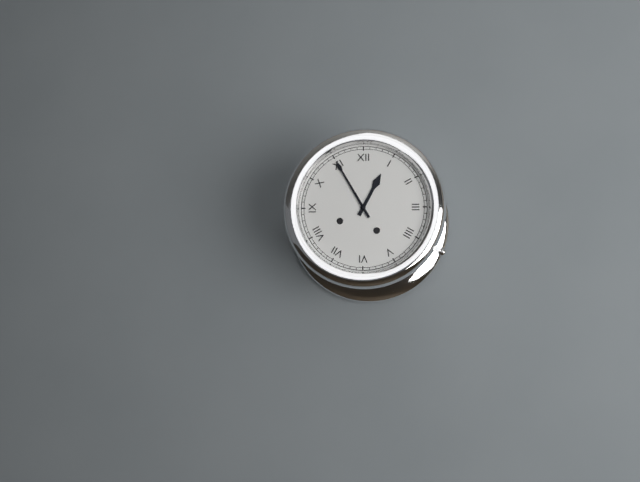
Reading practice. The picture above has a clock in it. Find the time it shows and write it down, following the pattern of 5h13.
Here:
12h55
